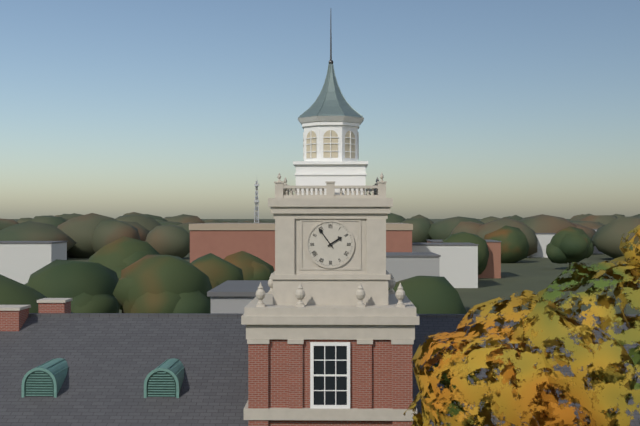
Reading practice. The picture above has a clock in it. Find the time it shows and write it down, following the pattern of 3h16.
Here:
1h54
